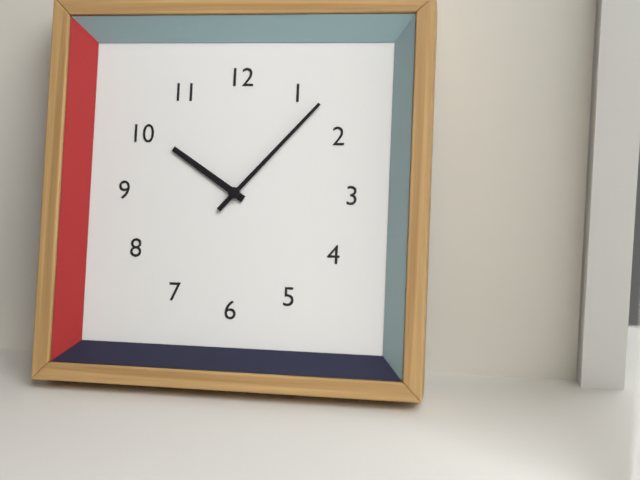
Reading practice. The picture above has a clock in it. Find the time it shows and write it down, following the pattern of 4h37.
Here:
10h07
